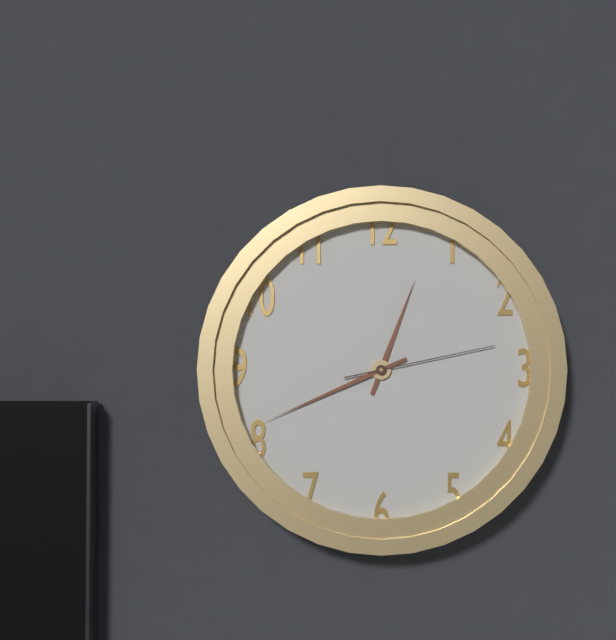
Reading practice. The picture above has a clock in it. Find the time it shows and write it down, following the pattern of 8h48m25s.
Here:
12h41m13s
